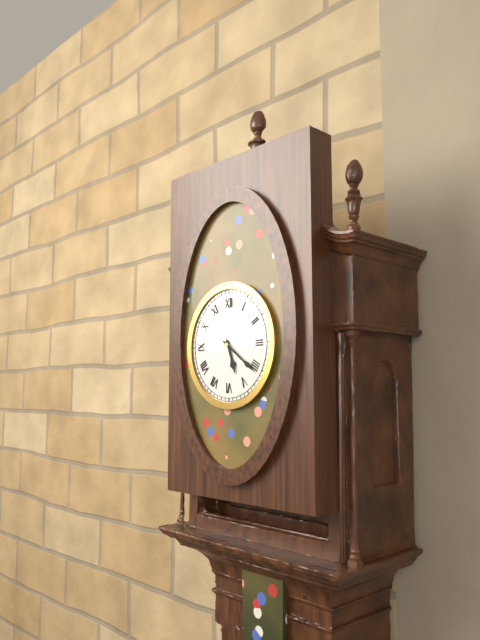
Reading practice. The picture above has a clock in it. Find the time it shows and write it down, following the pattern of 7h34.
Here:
5h21
